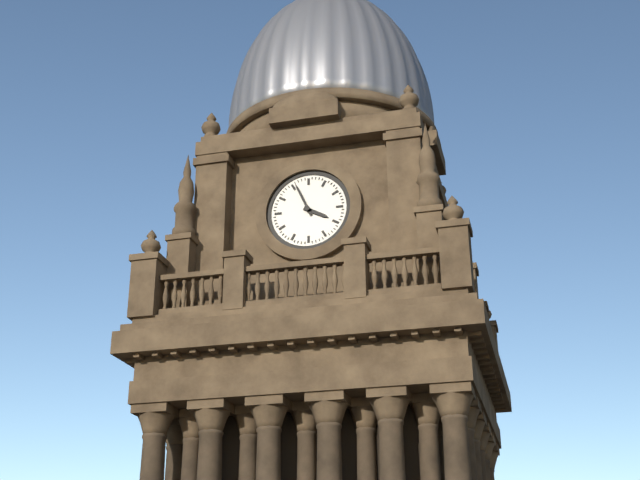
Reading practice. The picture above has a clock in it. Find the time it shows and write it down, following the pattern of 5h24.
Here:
3h56
